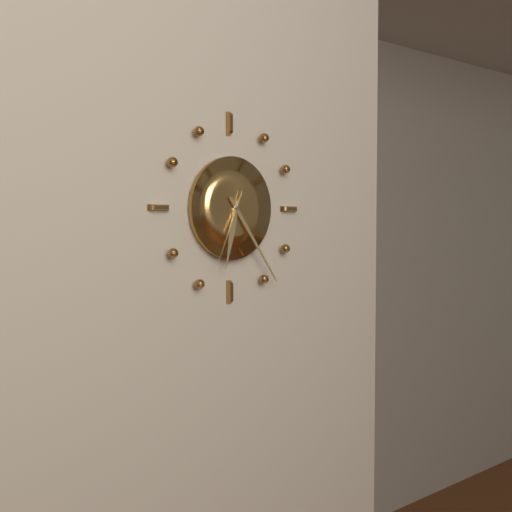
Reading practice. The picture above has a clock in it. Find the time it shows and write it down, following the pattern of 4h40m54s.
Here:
6h24m34s
